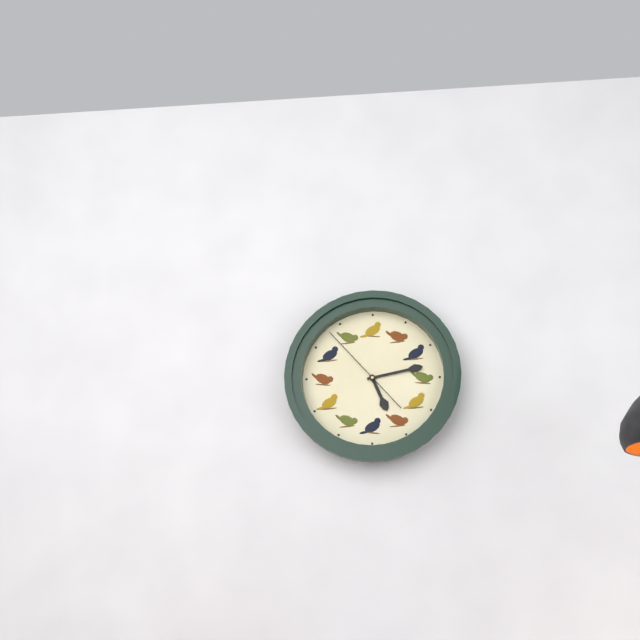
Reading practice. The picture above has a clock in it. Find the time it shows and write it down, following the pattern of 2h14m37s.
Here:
5h13m53s
